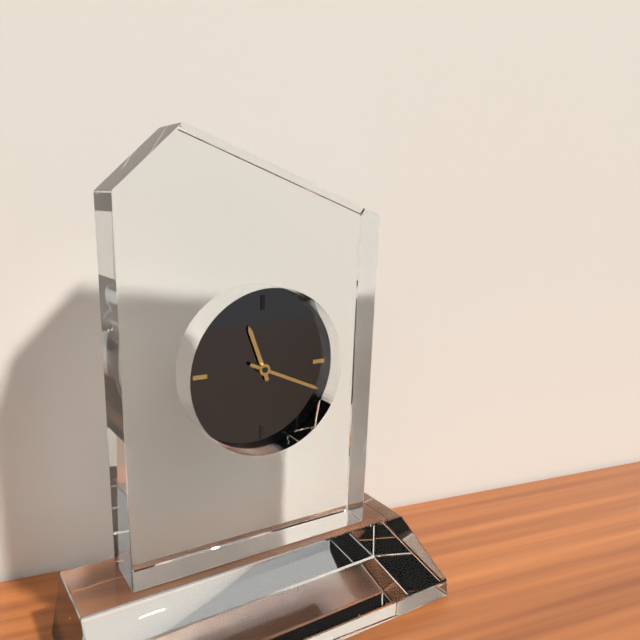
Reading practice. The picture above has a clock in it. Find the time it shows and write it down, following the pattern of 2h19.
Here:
11h19
